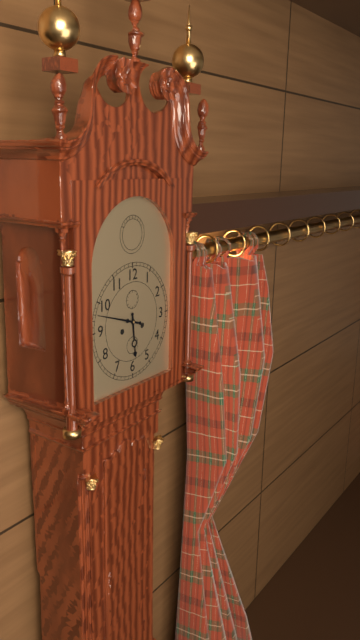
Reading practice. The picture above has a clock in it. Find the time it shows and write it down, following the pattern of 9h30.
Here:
5h48
